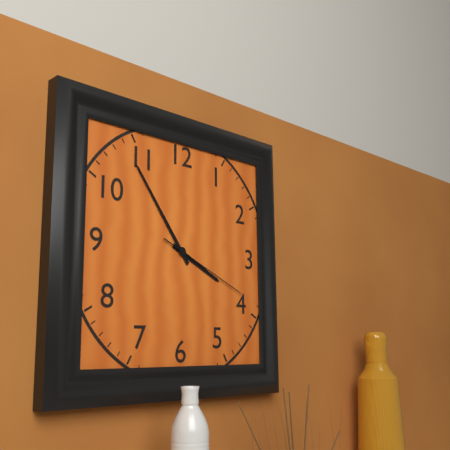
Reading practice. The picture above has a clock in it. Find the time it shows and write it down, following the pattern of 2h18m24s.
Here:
3h54m19s
